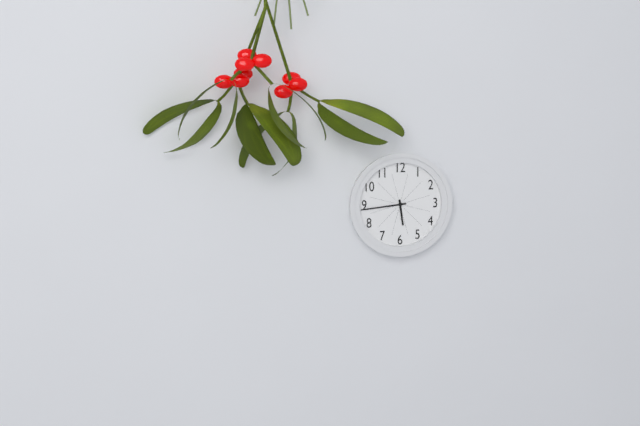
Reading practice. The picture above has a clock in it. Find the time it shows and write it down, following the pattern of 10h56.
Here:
5h44
